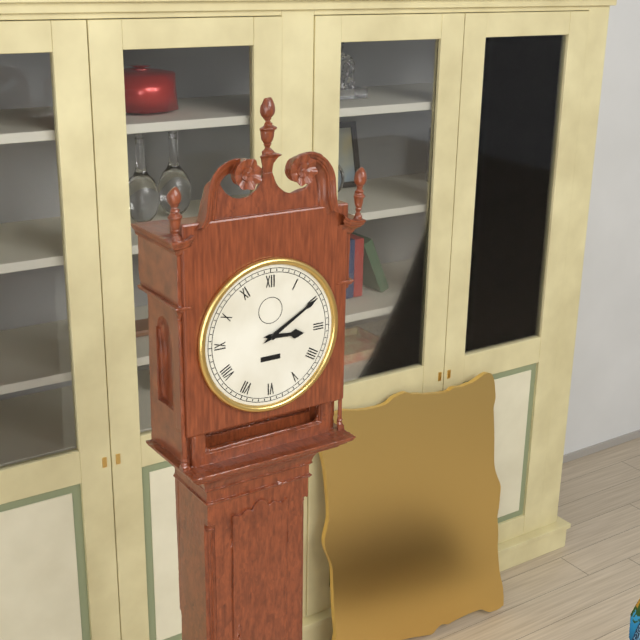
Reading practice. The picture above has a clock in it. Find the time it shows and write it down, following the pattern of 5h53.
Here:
3h10
